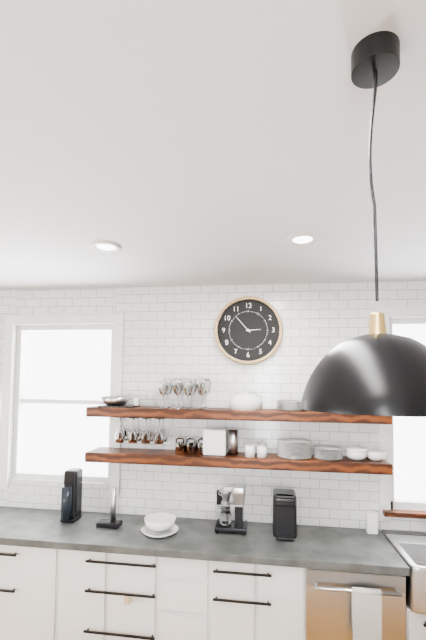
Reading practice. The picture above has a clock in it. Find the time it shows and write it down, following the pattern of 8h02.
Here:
2h53
